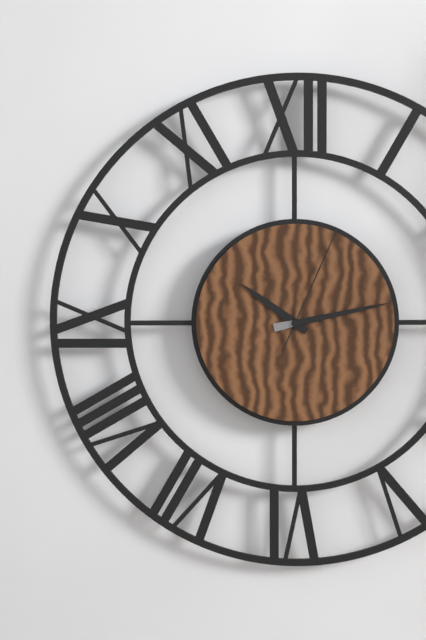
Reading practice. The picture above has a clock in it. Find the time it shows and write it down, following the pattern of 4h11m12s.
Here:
10h13m04s
